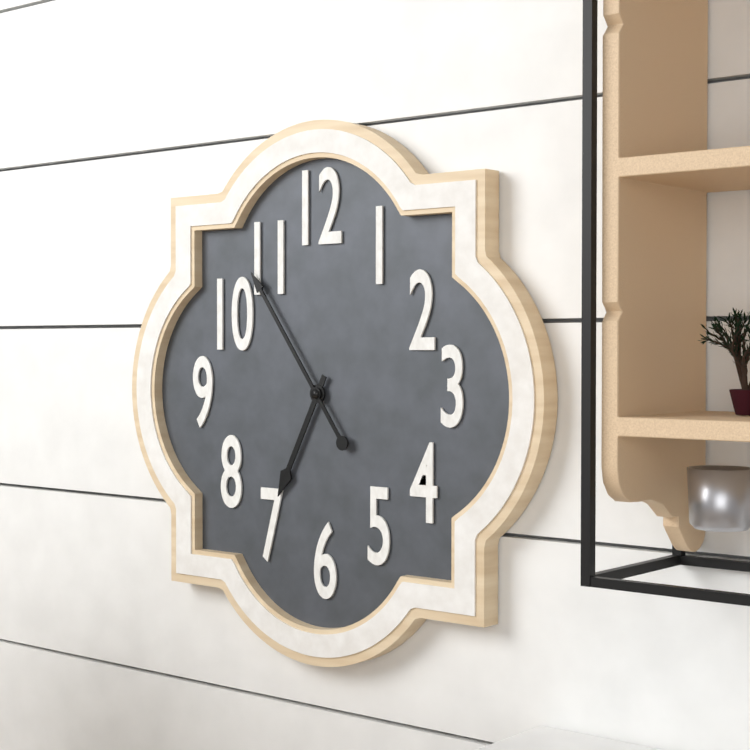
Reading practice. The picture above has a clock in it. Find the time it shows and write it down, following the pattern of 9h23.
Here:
6h54
